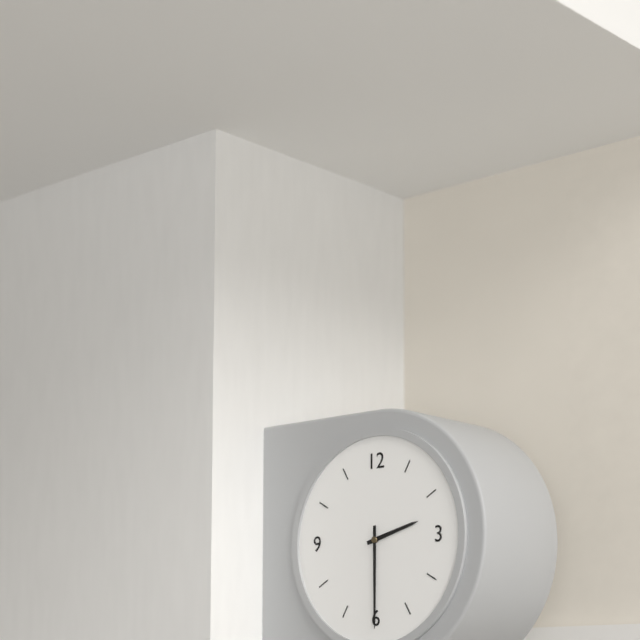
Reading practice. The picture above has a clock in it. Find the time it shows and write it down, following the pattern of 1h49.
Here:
2h30
